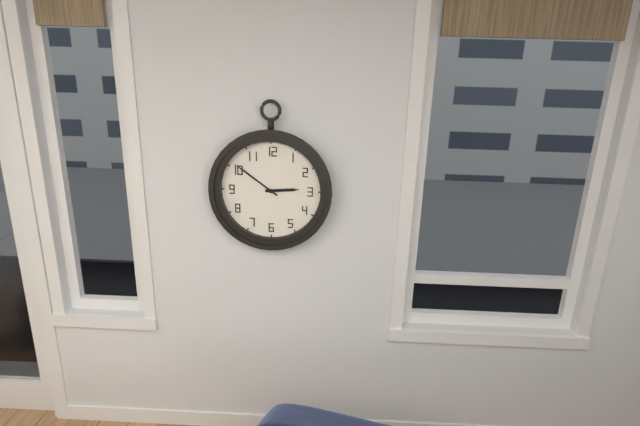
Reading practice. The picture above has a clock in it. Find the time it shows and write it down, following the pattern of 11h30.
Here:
2h51
